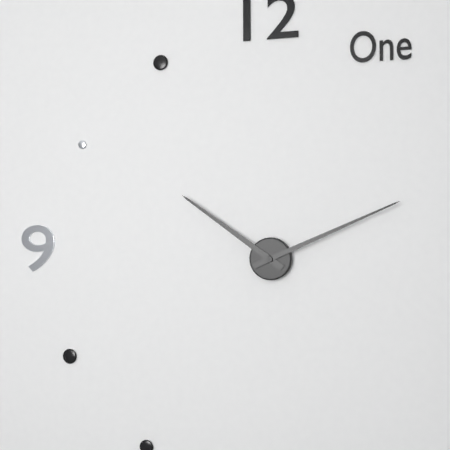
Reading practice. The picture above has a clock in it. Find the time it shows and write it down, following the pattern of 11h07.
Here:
10h11
